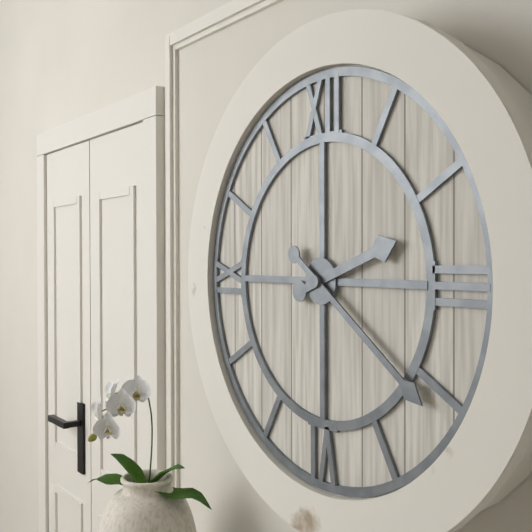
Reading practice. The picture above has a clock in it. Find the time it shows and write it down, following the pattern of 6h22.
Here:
2h21
